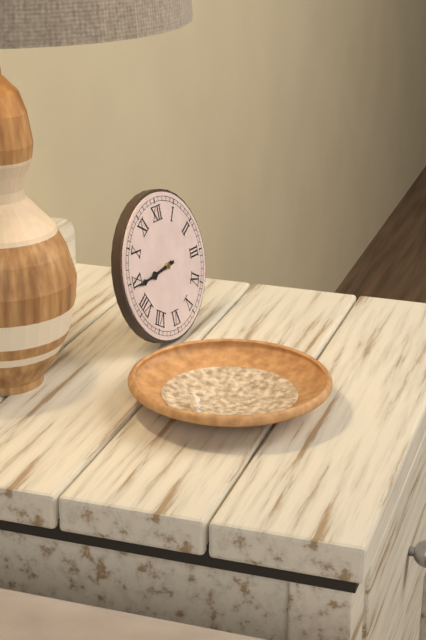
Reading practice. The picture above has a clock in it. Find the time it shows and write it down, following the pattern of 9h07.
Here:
8h44
